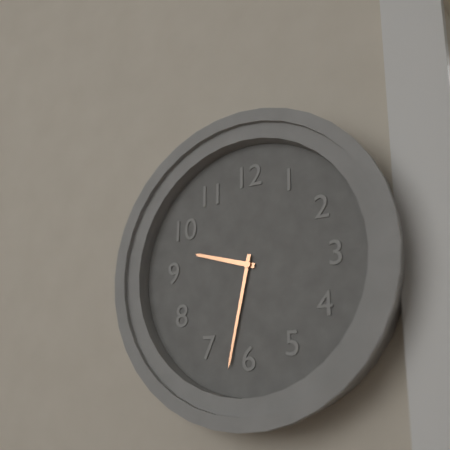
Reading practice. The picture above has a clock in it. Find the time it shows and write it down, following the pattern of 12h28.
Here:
9h32
